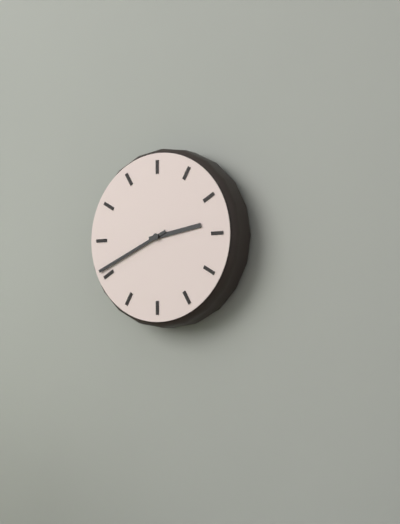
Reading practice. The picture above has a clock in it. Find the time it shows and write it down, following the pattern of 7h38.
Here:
2h41
